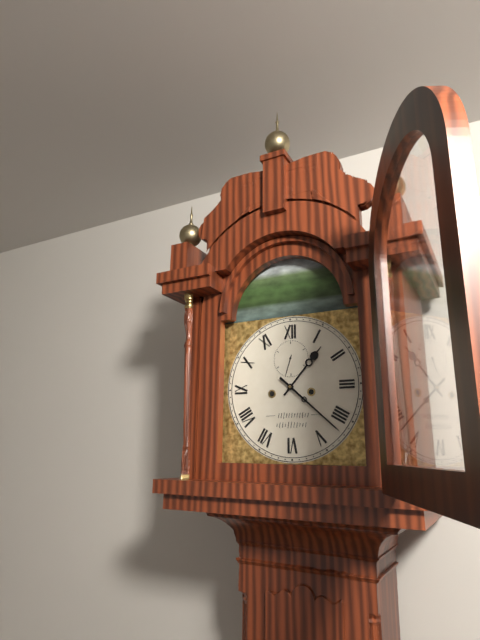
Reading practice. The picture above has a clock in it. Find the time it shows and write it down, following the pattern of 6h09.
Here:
1h22
